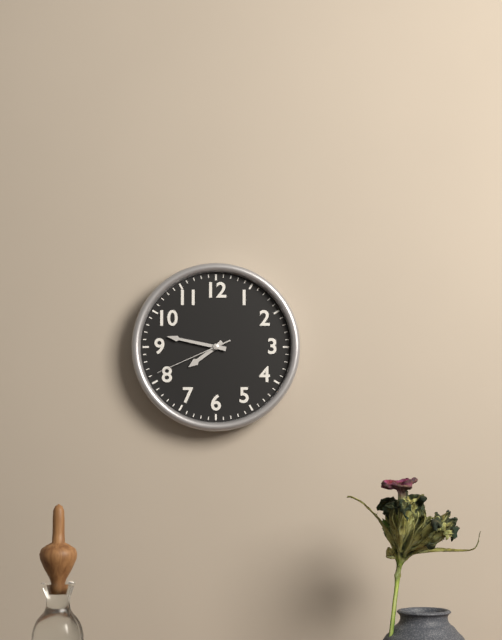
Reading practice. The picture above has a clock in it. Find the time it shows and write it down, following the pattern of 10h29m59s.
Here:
7h47m41s
